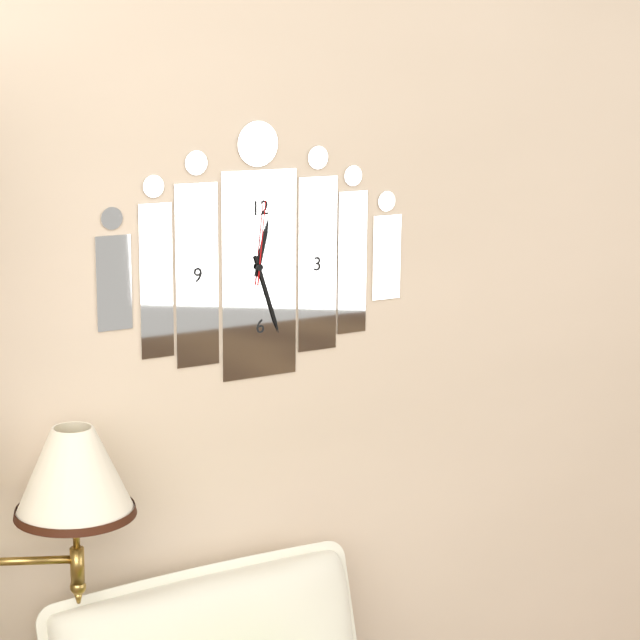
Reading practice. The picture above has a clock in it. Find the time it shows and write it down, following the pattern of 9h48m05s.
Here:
12h27m01s
